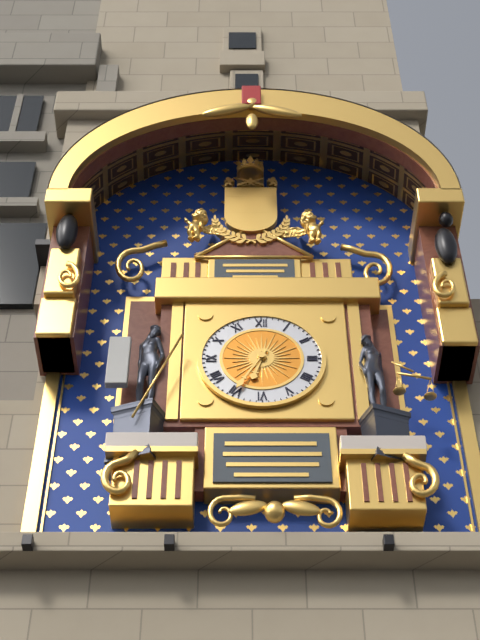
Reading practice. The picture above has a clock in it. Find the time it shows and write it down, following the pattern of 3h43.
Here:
6h35
